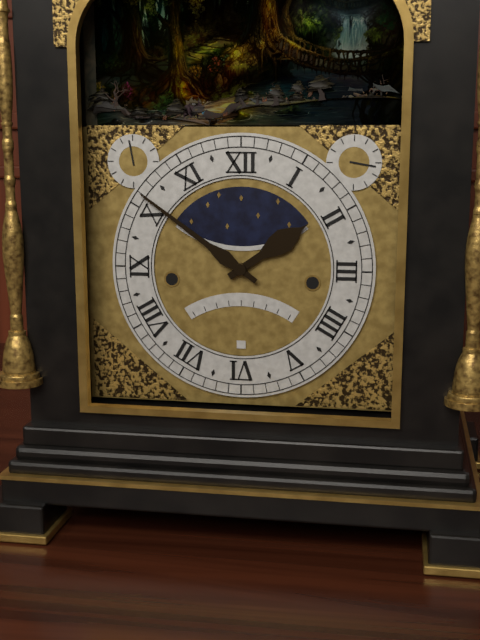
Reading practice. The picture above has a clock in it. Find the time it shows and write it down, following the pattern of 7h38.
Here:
1h51
